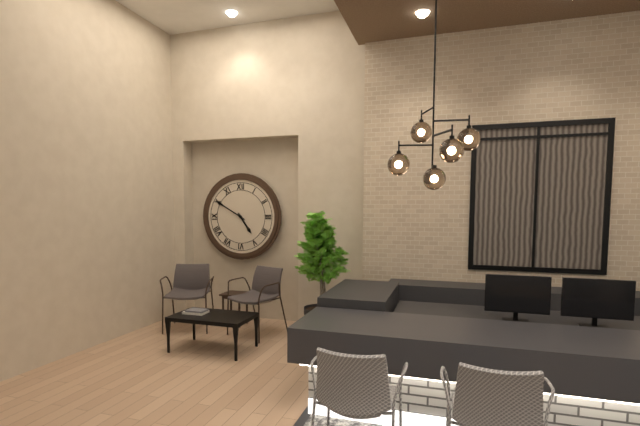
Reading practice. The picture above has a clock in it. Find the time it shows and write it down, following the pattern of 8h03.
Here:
4h50
